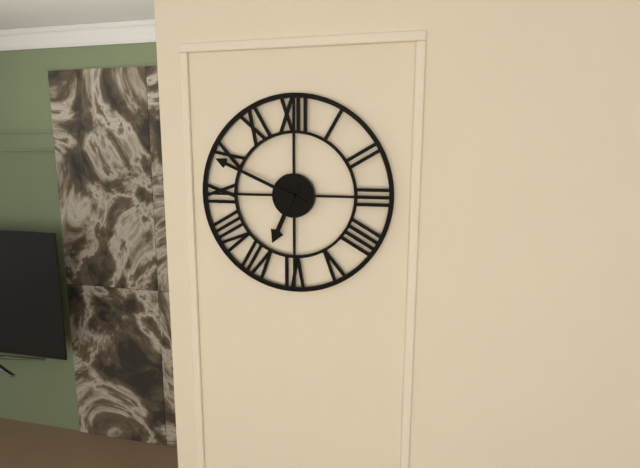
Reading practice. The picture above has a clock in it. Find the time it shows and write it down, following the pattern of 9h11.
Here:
6h49
